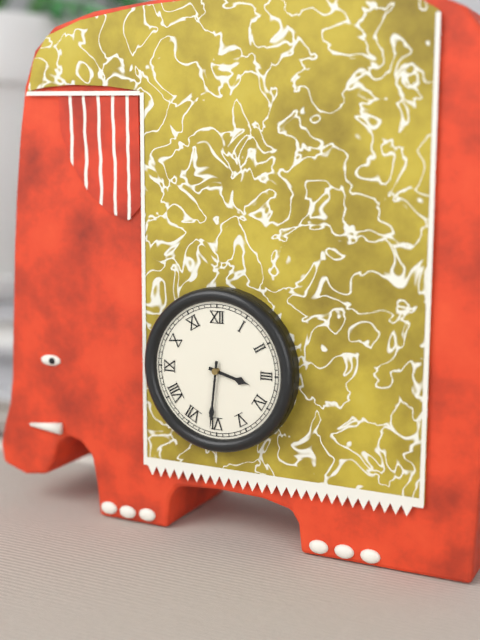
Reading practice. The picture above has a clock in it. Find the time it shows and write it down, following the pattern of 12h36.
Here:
3h31
